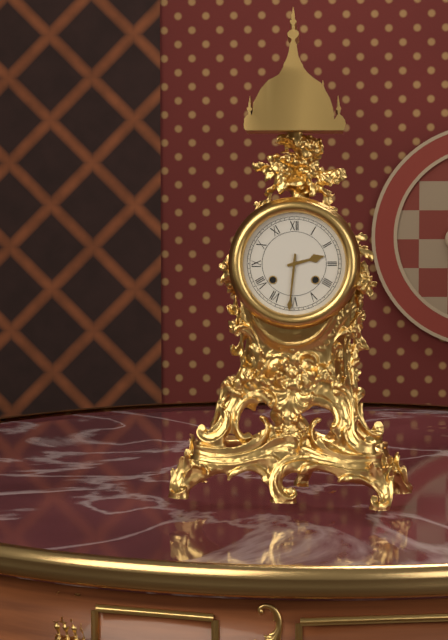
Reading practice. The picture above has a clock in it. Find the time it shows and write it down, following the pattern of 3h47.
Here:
2h31
